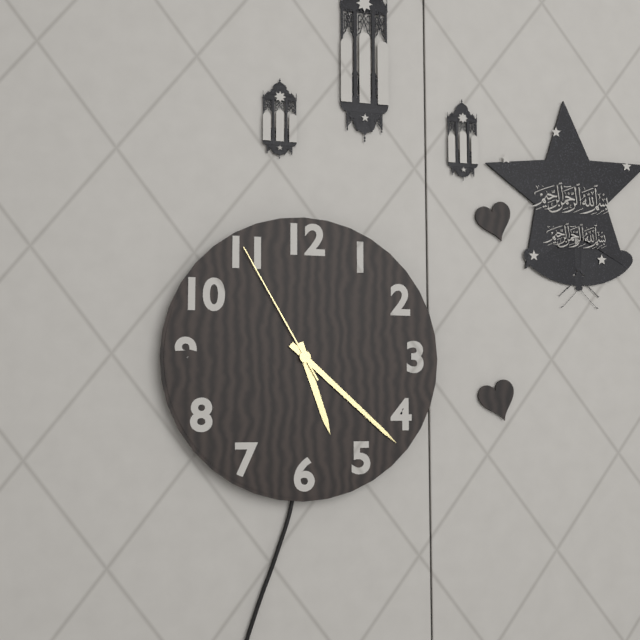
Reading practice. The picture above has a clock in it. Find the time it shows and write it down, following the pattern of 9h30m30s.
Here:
5h22m55s
